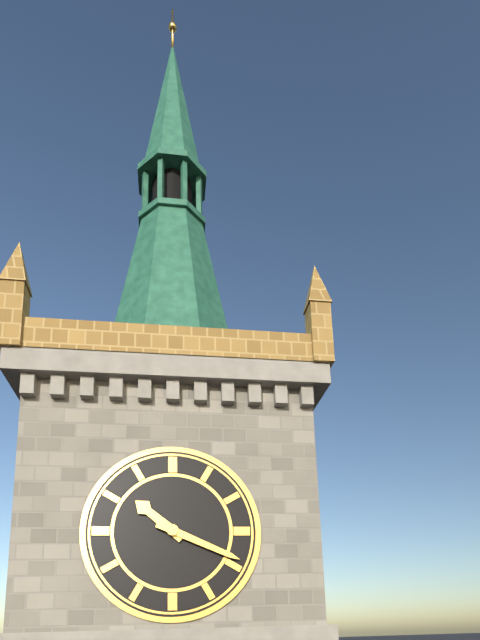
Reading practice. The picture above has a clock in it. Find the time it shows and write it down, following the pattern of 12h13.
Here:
10h19
